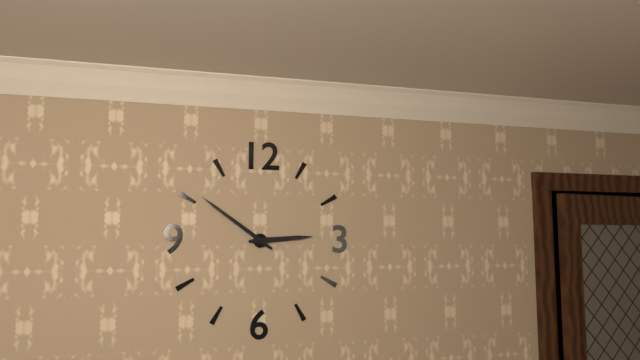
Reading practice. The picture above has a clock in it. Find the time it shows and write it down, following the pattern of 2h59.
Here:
2h51
